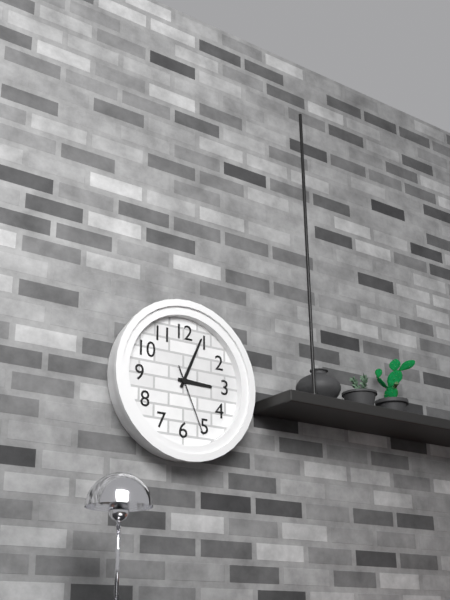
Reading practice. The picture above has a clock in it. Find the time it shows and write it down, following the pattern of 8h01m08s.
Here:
3h04m26s
